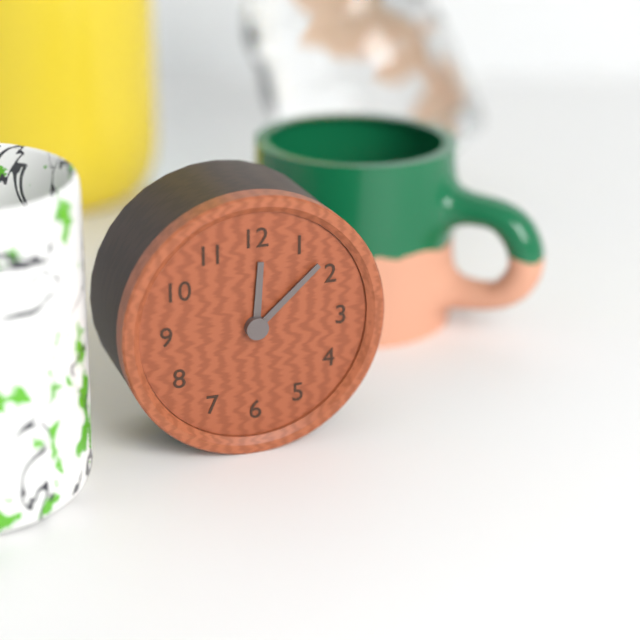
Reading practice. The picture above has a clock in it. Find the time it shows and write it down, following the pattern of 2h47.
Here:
12h08
